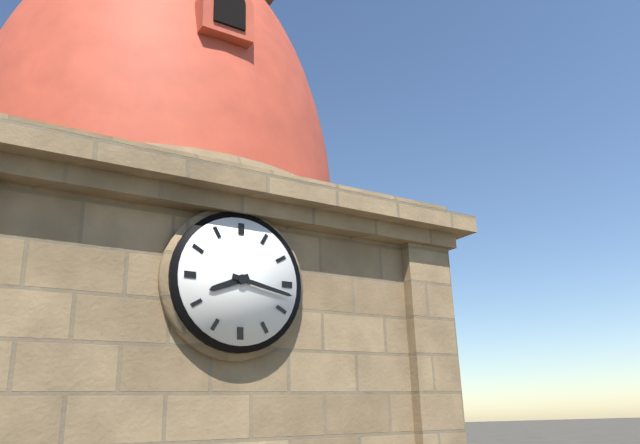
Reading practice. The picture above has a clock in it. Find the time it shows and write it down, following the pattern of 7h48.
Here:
8h17
